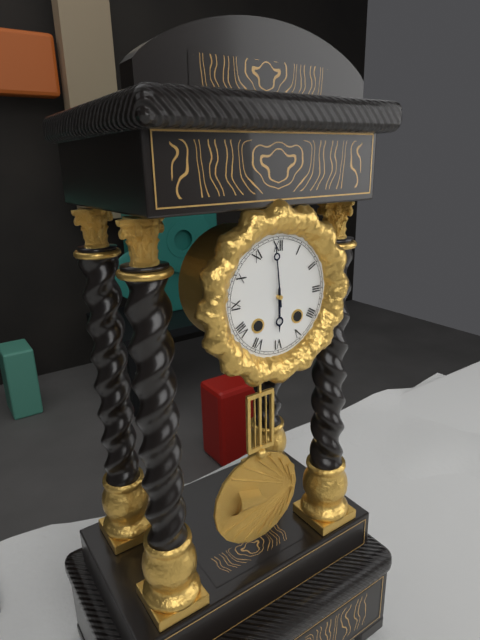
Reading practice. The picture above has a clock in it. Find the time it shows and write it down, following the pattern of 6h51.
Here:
5h59
